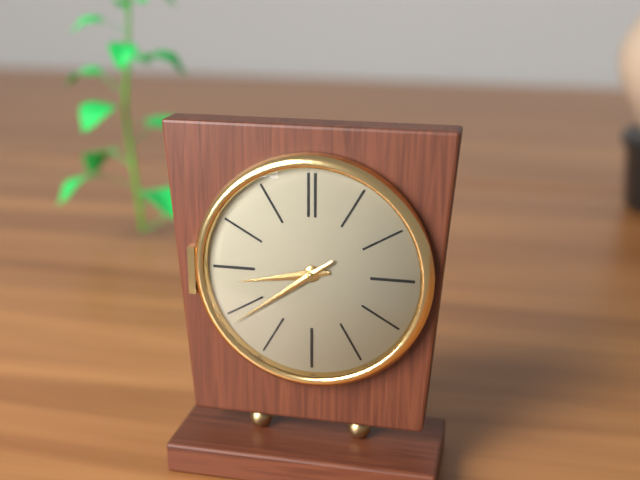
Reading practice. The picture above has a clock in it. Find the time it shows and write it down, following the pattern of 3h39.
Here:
8h39
